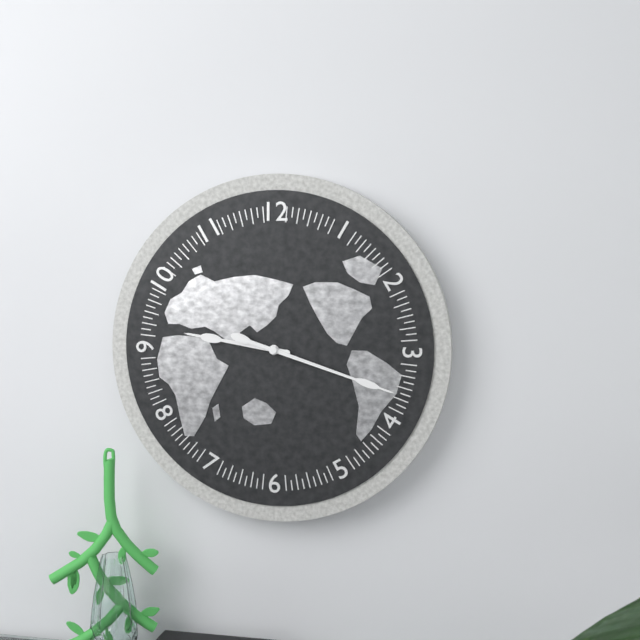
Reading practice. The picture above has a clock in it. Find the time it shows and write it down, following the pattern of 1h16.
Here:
9h18
